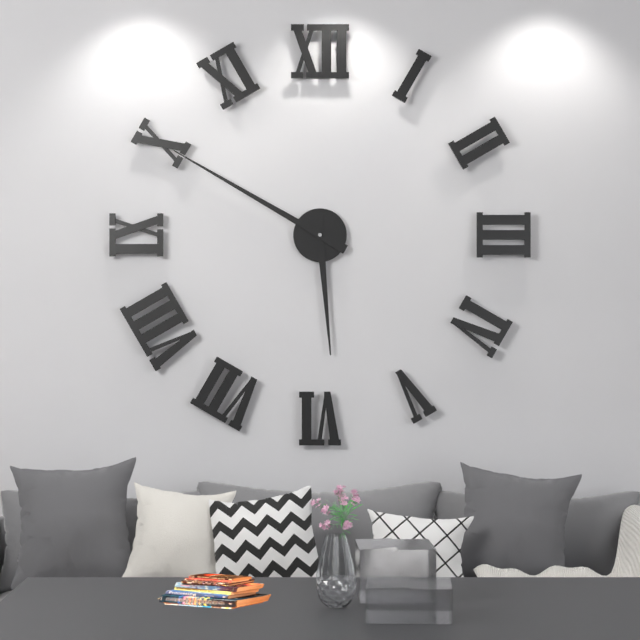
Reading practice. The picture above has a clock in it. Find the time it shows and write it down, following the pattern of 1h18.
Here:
5h50
